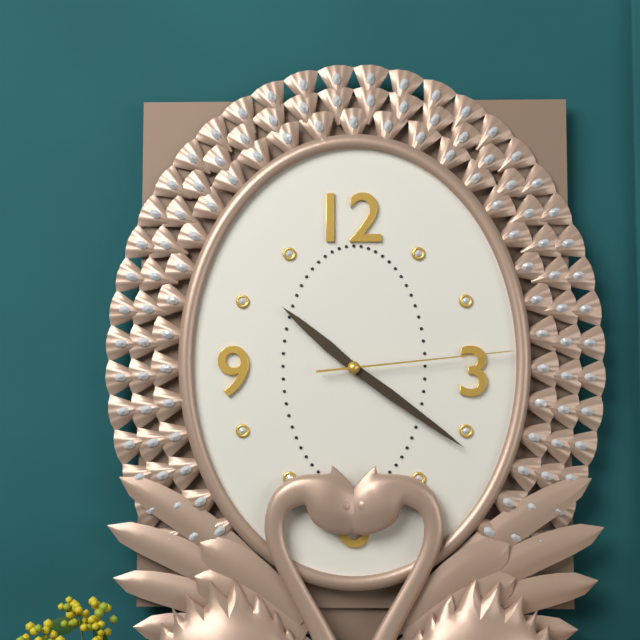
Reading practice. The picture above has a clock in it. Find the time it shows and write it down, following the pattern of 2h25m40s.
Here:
10h21m14s
